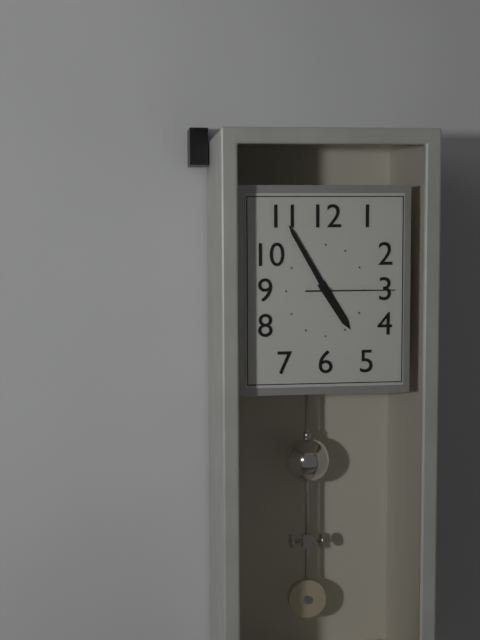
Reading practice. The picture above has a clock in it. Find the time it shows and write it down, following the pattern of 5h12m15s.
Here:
4h55m15s
